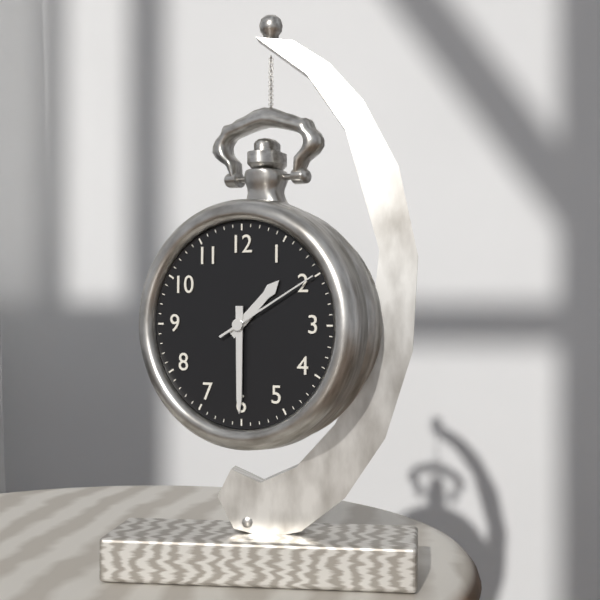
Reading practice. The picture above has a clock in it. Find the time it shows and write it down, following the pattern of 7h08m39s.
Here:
1h30m10s
